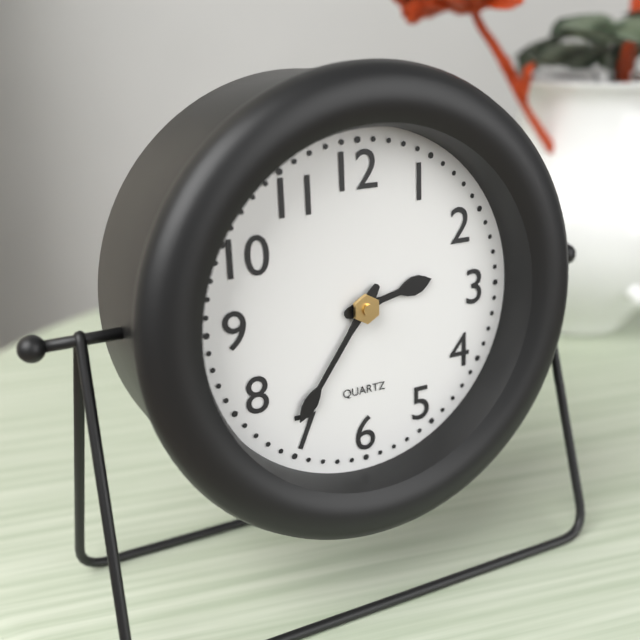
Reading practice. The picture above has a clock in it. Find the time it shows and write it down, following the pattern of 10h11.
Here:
2h36
